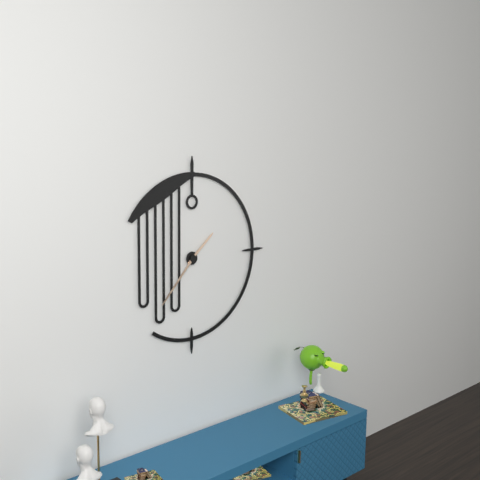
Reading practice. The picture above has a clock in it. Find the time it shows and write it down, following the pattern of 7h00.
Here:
1h37
